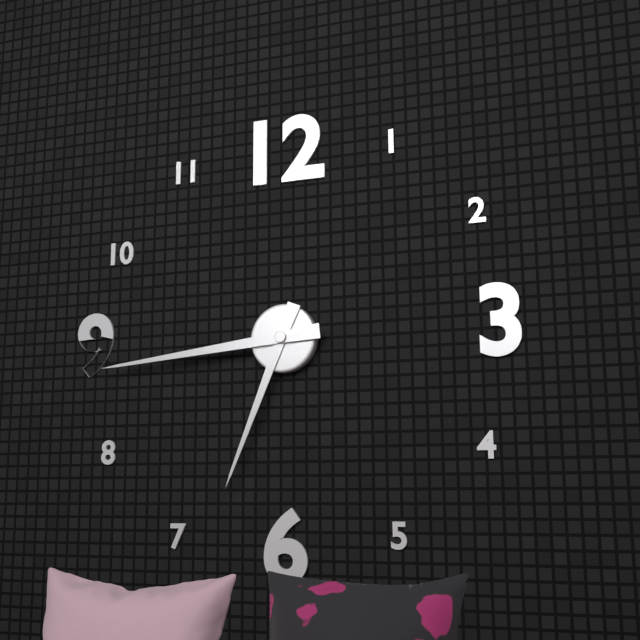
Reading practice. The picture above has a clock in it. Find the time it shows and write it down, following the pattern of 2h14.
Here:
6h44
